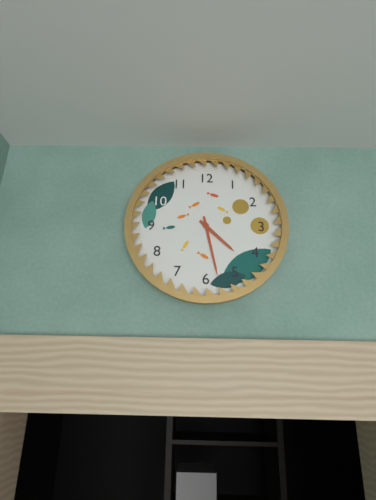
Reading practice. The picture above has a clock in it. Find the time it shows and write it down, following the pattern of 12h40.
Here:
4h28
